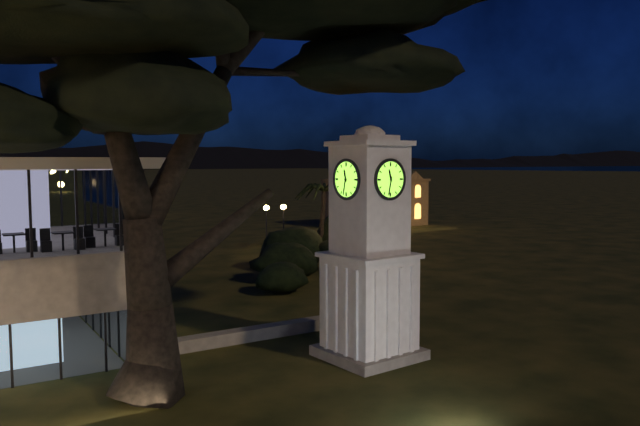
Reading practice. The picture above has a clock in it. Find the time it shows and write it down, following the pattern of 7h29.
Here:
11h32
